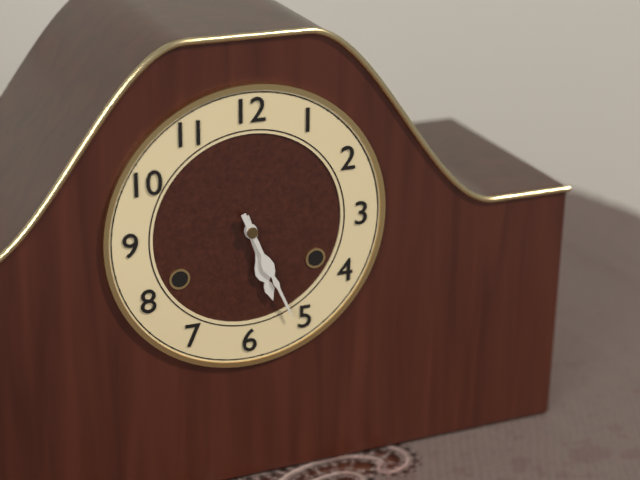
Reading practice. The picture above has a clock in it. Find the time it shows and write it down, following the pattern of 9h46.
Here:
5h26
